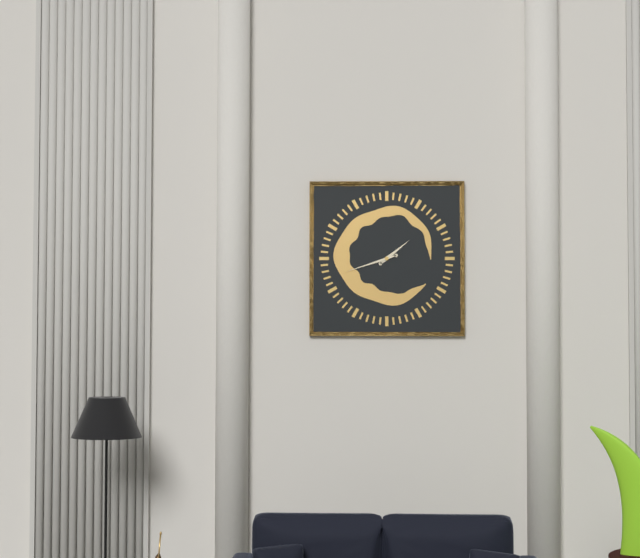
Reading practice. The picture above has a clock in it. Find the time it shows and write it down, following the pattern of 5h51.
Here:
1h42
